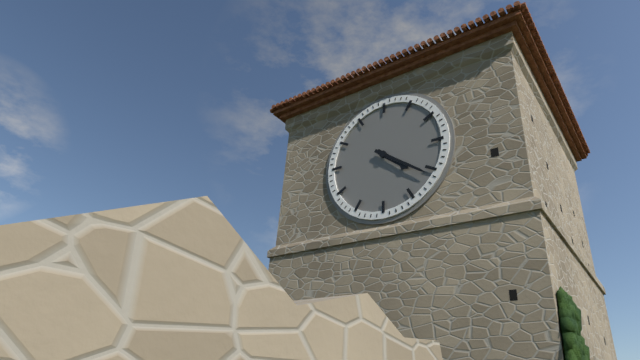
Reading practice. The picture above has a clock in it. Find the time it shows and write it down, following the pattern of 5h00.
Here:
4h21
